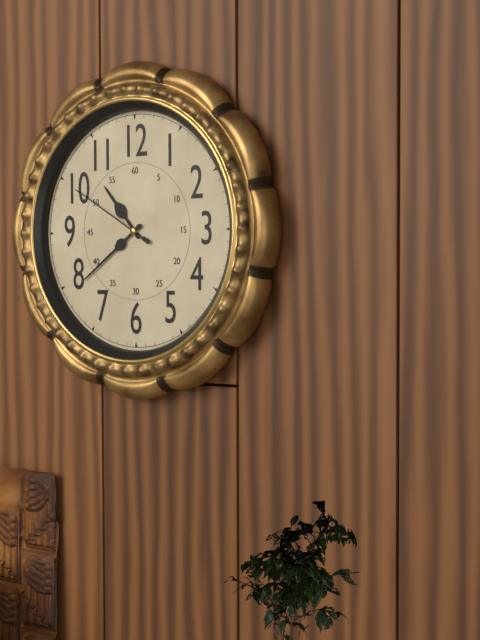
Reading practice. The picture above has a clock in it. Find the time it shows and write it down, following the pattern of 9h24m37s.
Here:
10h39m50s
